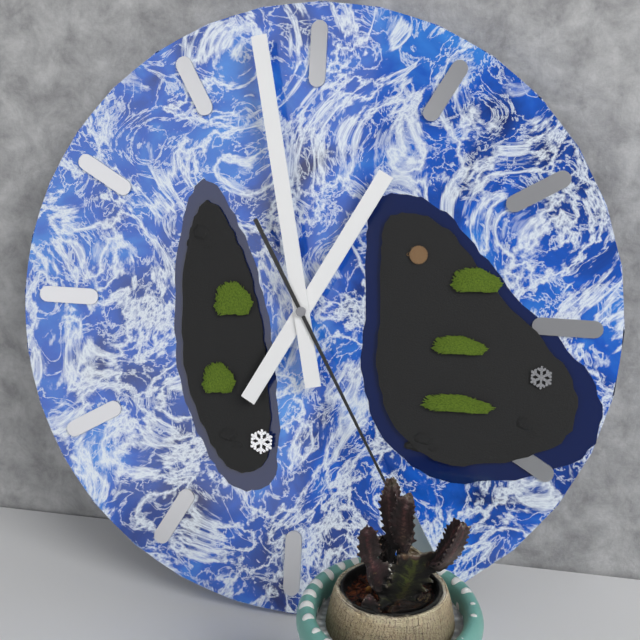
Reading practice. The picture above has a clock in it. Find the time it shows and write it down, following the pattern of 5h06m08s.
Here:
12h58m25s
